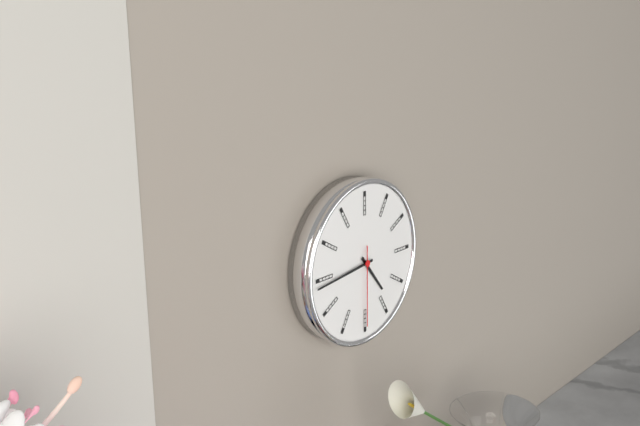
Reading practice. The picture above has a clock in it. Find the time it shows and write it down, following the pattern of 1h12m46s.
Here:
4h44m30s
